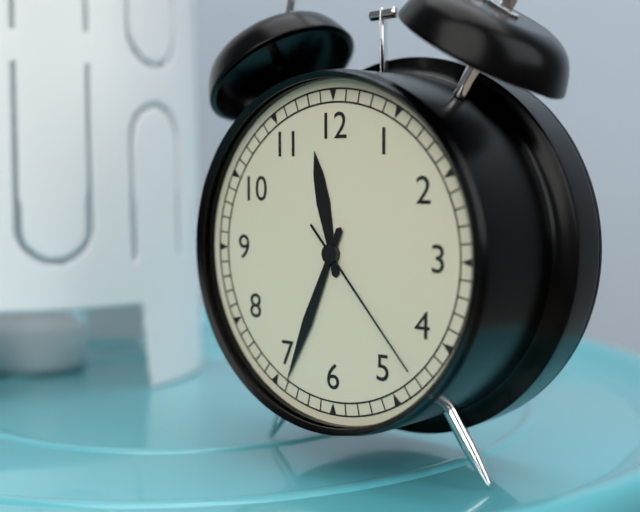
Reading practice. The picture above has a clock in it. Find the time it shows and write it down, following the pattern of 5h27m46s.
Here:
11h34m23s
